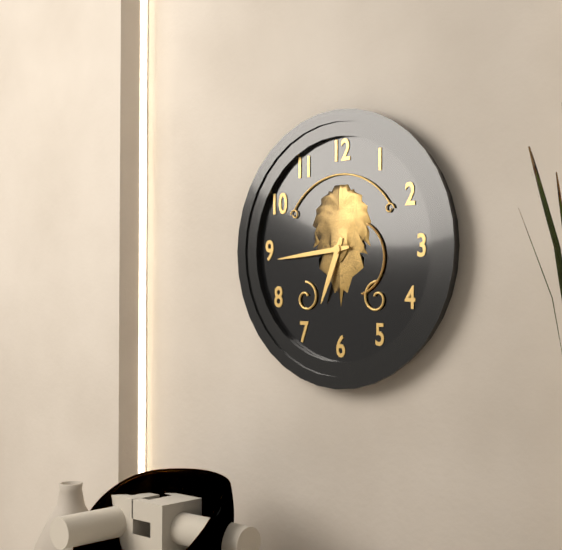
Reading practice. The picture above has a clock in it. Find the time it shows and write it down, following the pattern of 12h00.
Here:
6h44
